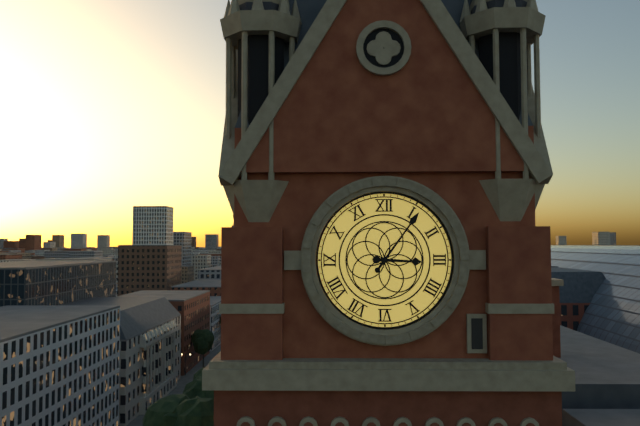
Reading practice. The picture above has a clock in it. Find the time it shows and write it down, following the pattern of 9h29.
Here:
3h06
